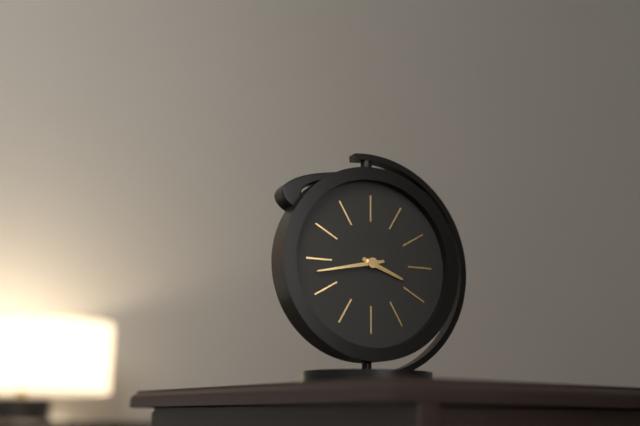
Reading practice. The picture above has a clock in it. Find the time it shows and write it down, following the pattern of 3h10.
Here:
3h43
